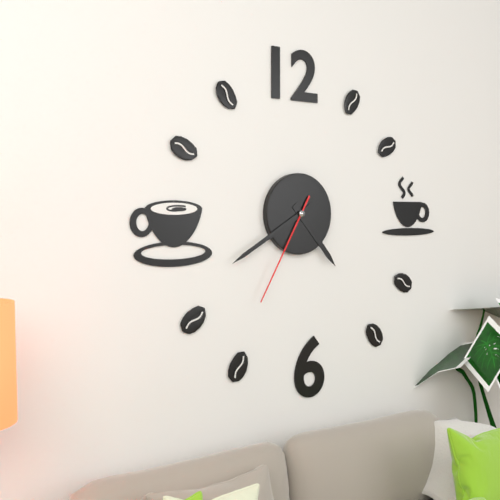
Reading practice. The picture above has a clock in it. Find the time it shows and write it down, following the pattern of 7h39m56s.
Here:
4h40m35s
